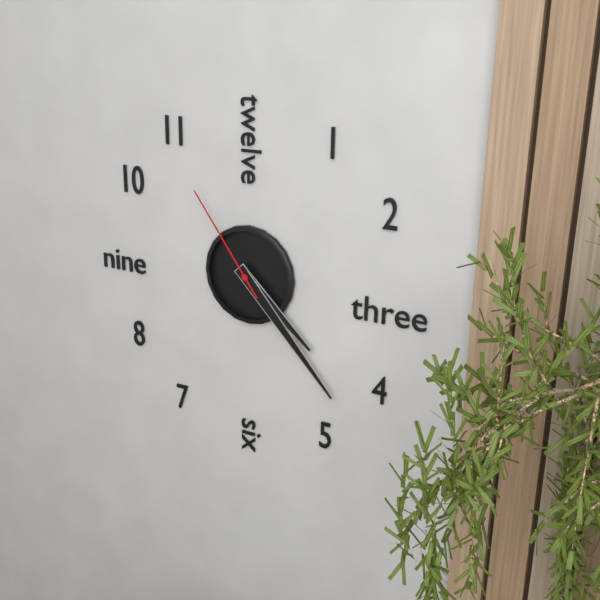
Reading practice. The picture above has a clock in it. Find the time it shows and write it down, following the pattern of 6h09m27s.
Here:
4h23m54s
